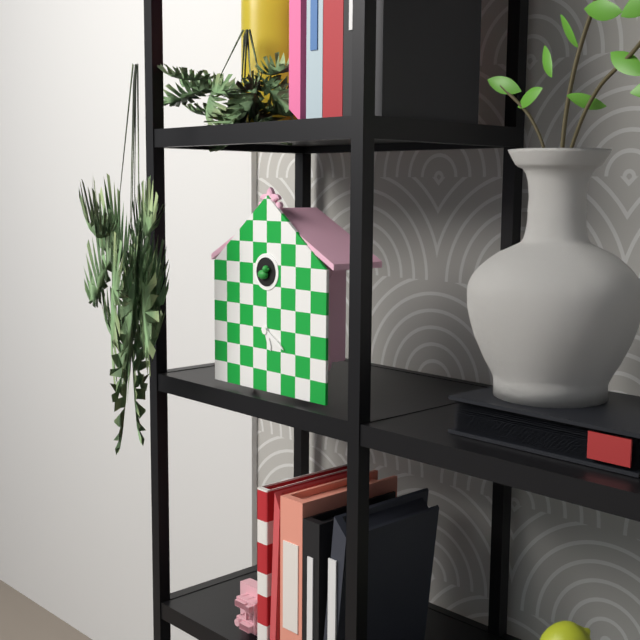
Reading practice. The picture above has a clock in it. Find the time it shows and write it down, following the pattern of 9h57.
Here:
5h20
